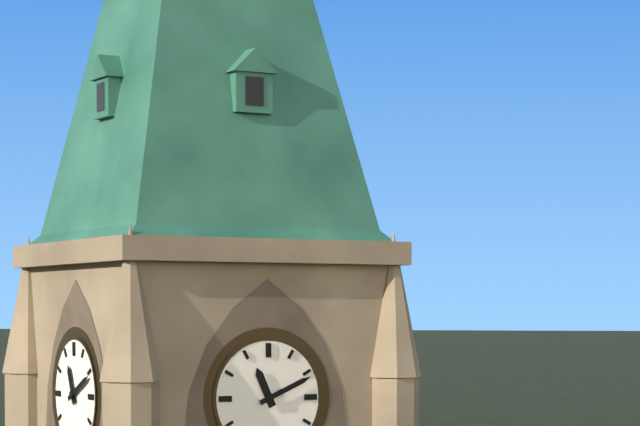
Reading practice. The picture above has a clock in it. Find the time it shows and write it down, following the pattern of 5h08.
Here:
11h11
